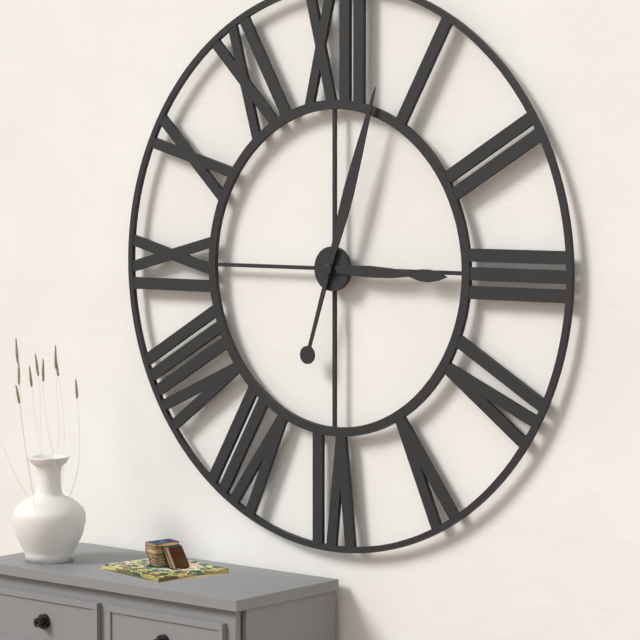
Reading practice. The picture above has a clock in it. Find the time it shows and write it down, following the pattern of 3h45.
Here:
3h03
